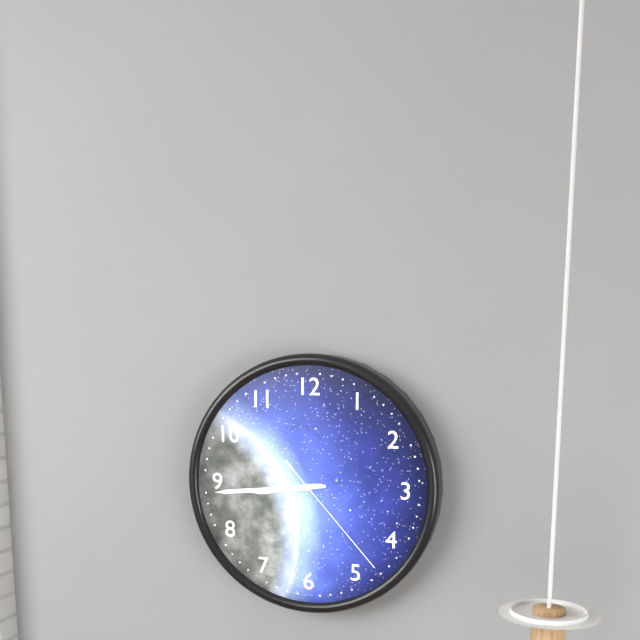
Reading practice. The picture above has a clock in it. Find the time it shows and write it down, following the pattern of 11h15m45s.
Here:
8h44m23s
